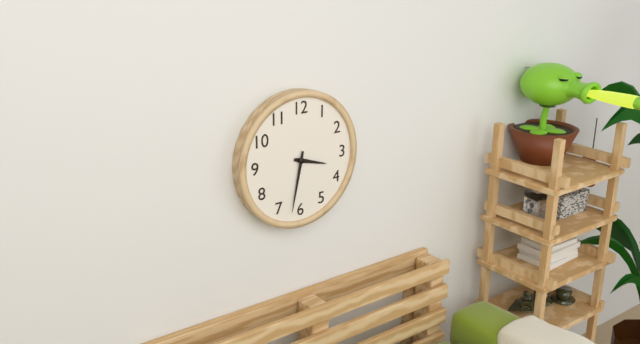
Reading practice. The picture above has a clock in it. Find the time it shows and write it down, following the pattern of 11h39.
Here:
3h32
